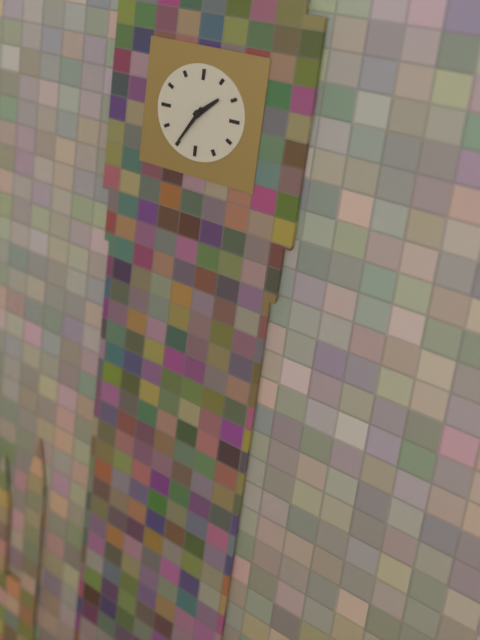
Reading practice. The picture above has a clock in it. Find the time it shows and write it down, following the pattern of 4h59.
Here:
1h35
